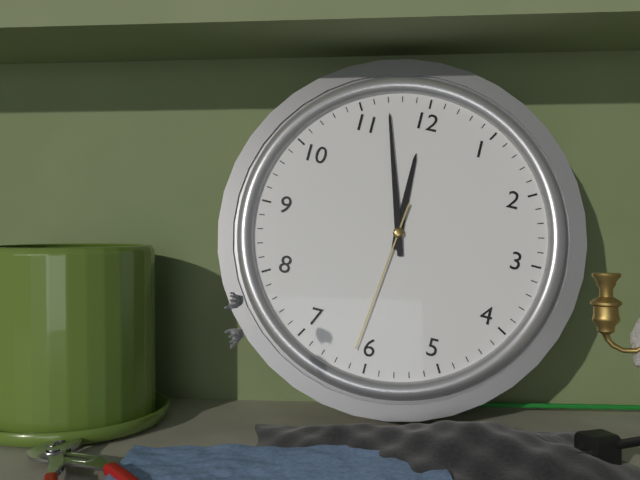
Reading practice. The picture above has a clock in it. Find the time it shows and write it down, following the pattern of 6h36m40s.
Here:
11h57m31s
